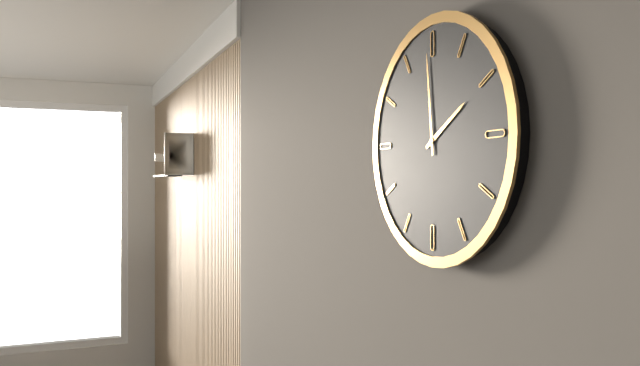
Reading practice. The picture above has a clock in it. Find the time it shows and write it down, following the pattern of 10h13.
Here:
1h59
